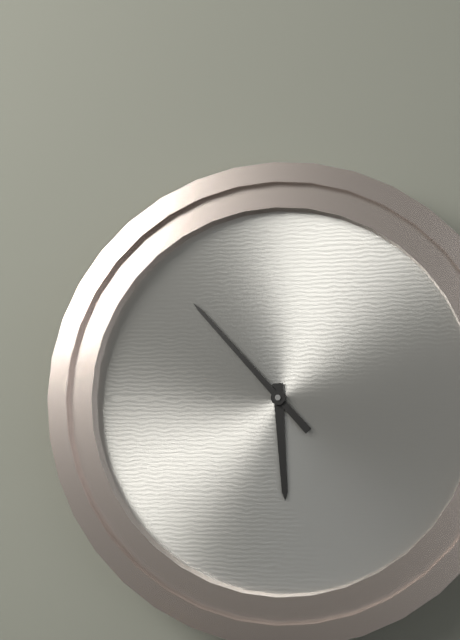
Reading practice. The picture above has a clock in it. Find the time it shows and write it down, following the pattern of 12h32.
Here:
5h53
